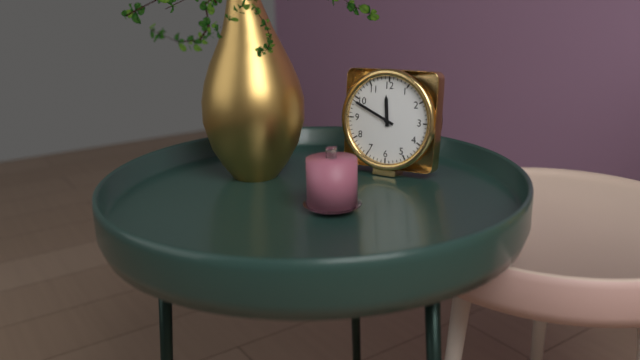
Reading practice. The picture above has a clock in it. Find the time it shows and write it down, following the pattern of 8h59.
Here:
11h49
